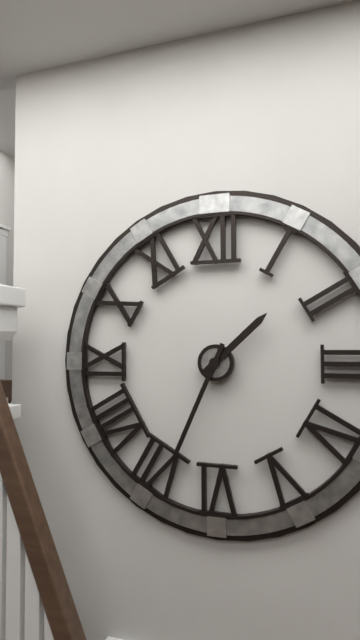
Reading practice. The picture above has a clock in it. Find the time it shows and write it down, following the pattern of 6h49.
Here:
1h34
